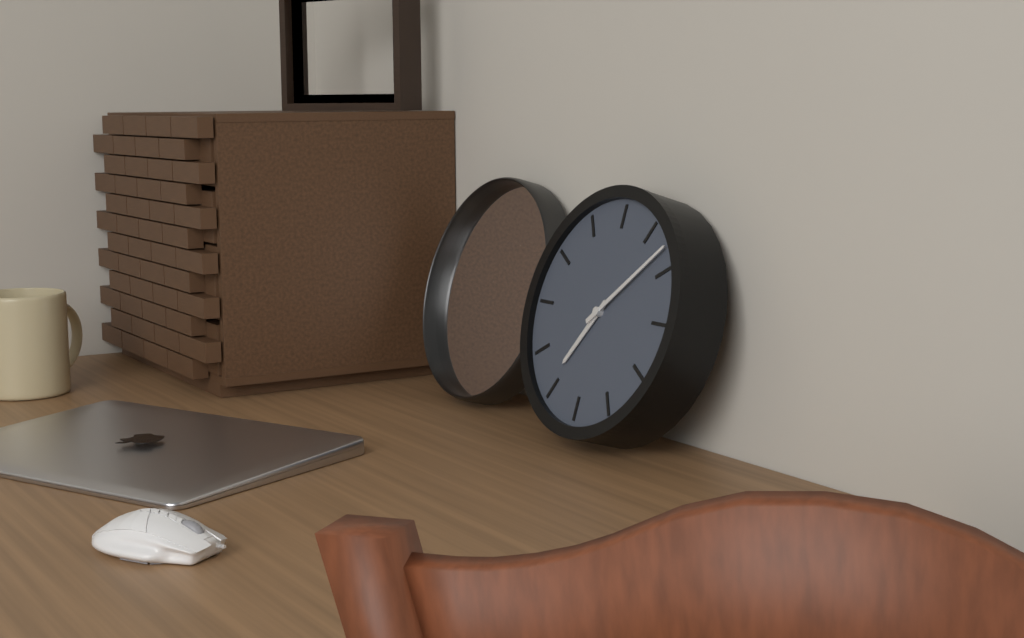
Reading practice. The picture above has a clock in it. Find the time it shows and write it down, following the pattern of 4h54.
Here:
7h08
